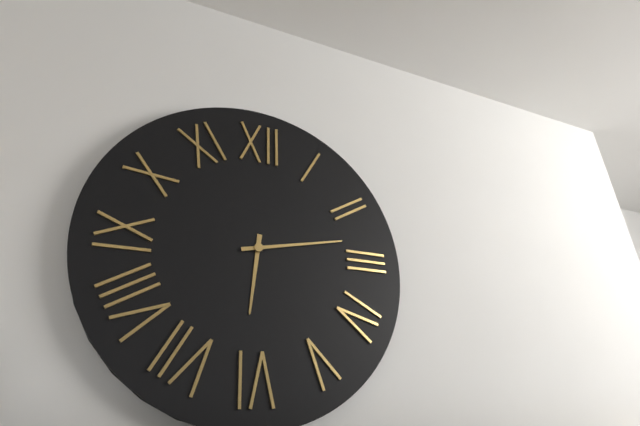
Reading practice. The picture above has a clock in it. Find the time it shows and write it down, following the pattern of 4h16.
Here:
6h13
